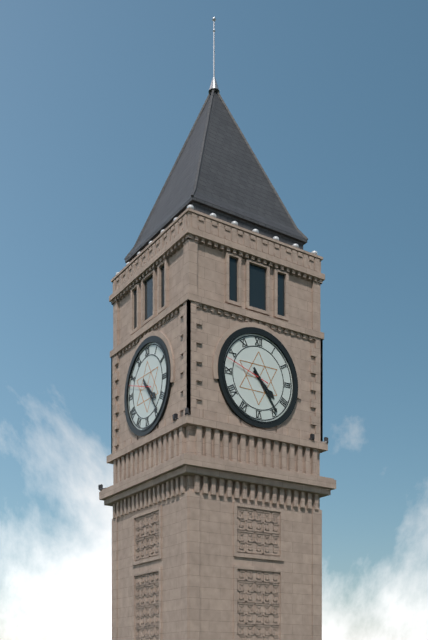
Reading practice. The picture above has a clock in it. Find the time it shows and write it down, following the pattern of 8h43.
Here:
4h24
